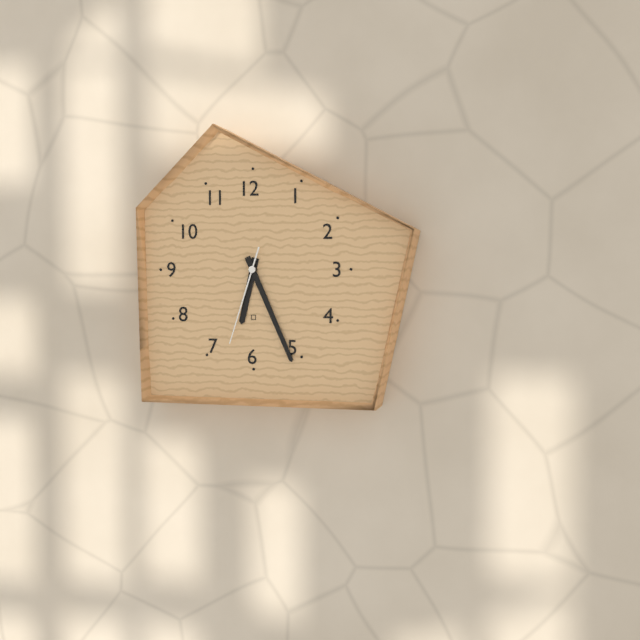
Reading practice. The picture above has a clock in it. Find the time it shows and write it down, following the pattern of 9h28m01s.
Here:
6h26m33s
